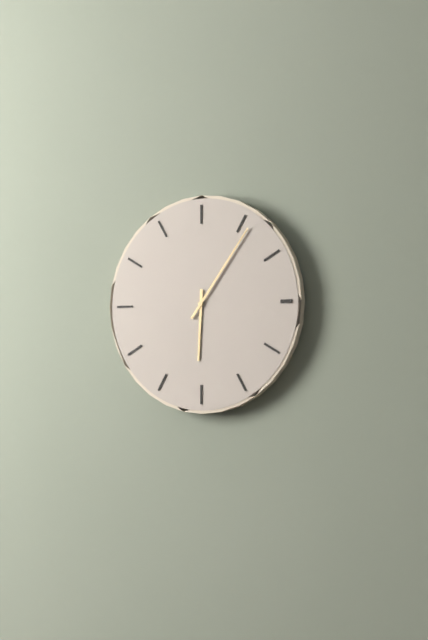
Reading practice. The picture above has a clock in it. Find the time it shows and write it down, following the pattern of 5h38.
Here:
6h06
